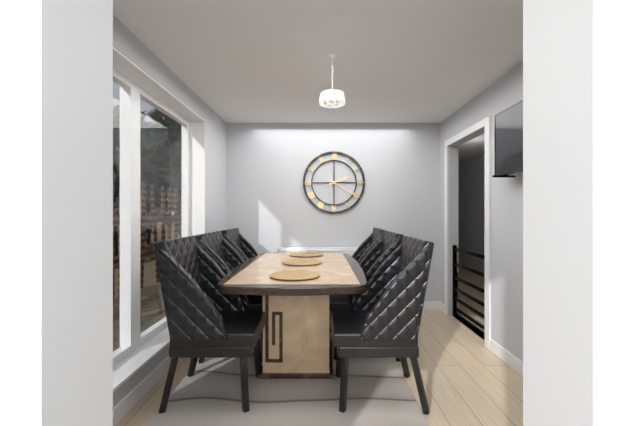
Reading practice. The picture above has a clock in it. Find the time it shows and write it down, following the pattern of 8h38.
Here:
2h20
